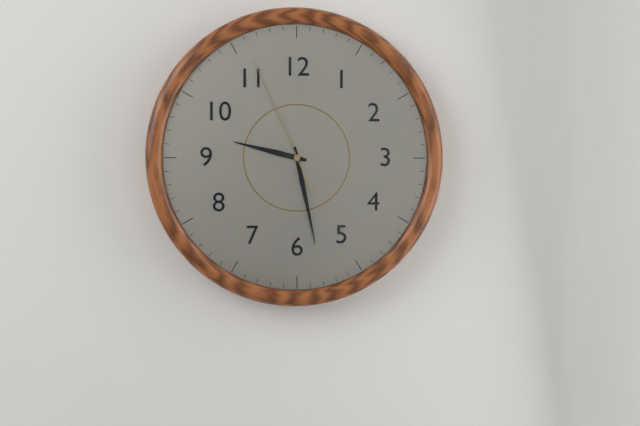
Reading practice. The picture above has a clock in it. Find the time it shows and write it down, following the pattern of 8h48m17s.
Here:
9h28m56s
